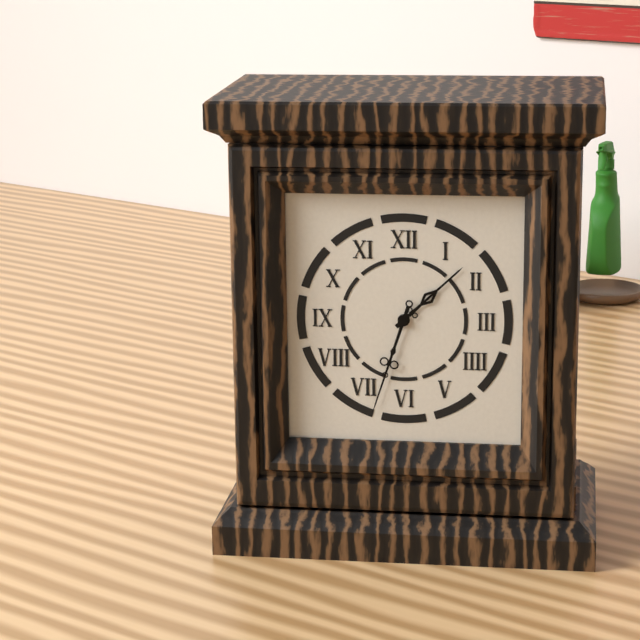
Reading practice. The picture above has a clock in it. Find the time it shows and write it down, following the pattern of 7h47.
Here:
1h33
